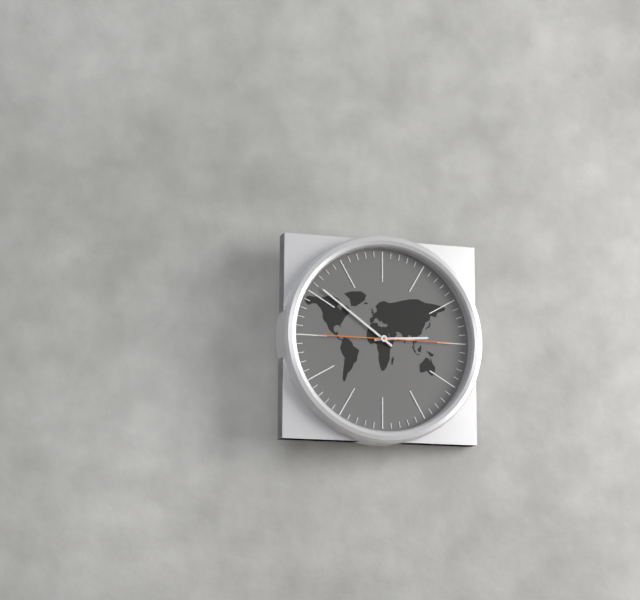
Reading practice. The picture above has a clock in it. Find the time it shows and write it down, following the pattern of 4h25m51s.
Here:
2h51m15s
